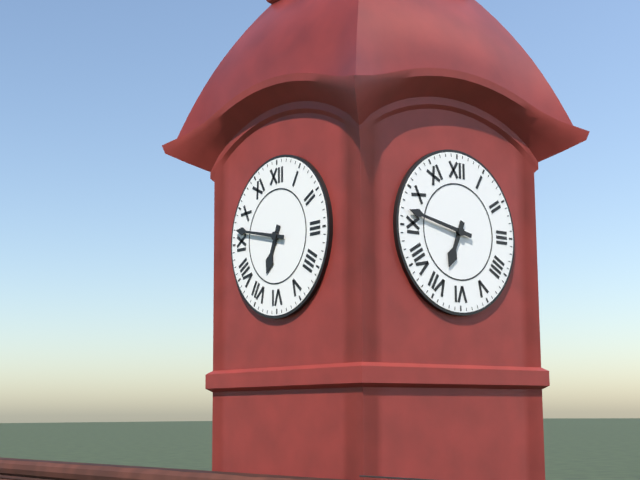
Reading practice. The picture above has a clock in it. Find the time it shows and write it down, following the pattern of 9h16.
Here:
6h47
